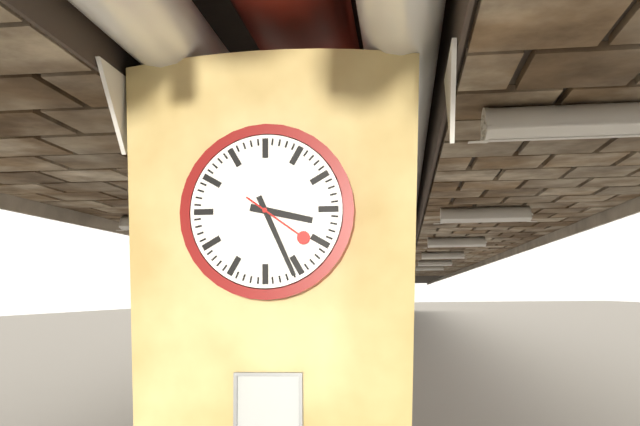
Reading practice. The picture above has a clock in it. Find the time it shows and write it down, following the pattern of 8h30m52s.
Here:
3h26m21s
